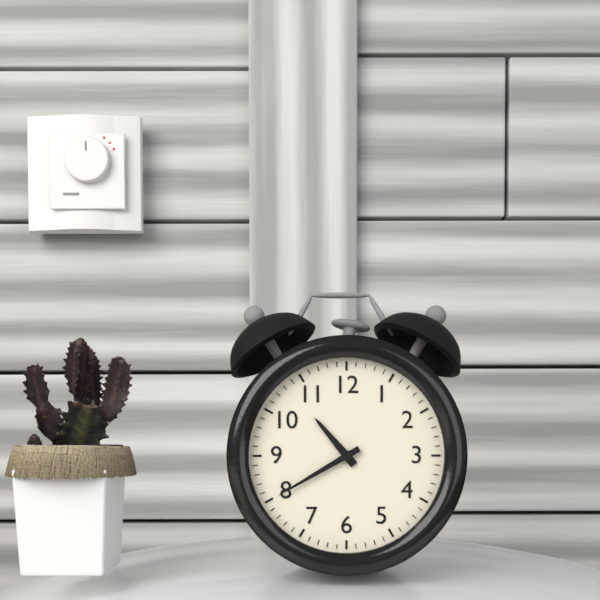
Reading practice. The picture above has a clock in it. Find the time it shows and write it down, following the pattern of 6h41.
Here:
10h40
